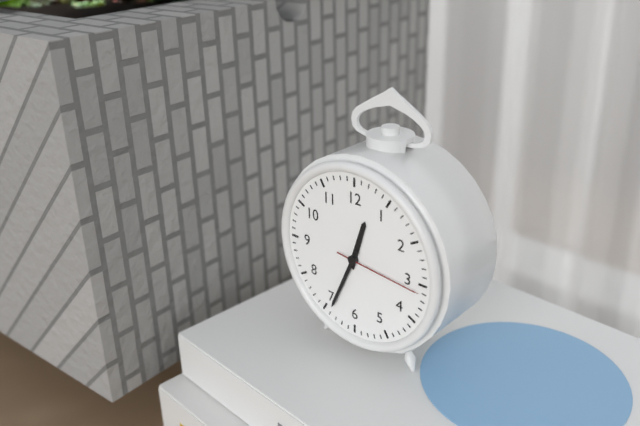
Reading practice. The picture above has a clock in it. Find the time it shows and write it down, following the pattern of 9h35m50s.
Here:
12h34m16s
